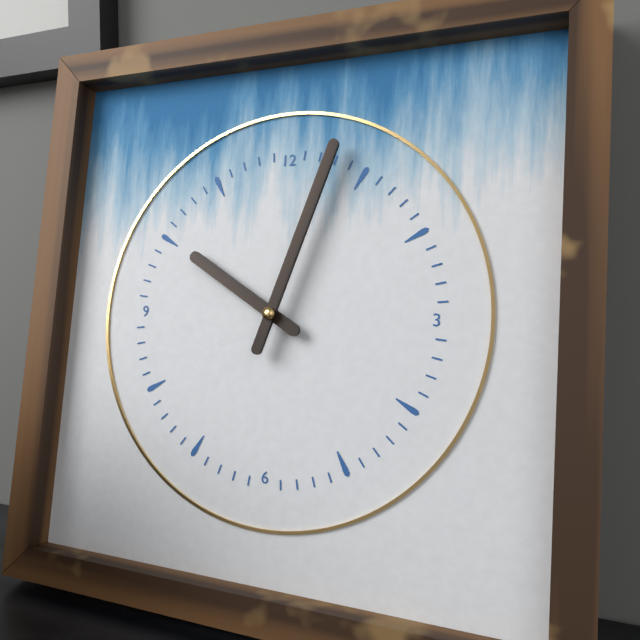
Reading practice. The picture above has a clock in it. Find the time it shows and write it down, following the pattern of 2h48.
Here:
10h03
